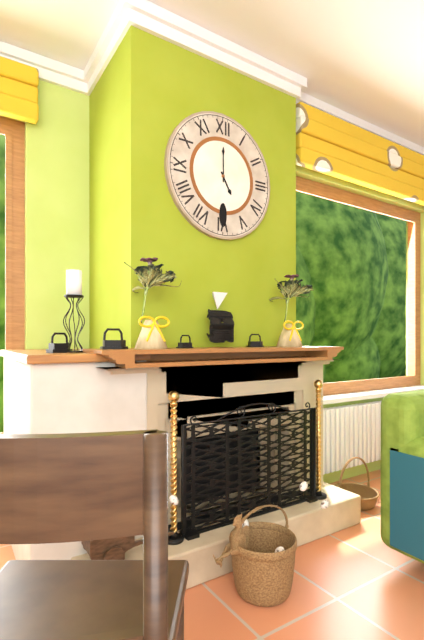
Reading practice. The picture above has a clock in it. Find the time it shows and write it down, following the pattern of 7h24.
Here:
5h00
